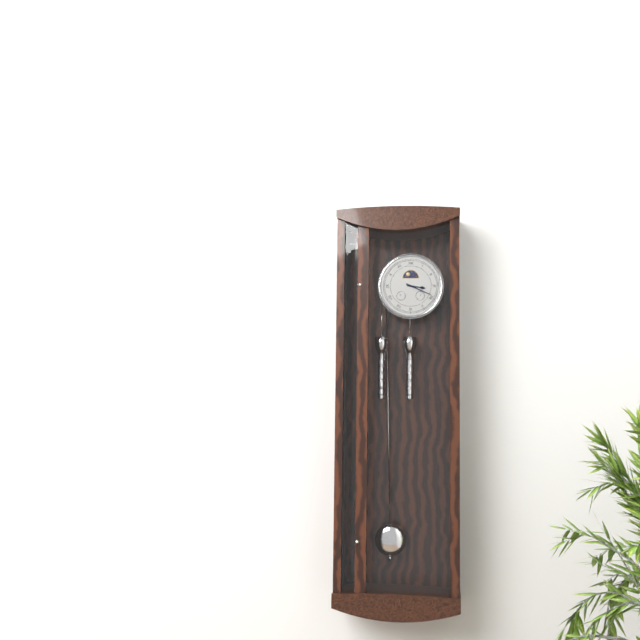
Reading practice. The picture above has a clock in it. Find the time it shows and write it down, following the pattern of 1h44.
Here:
3h19
